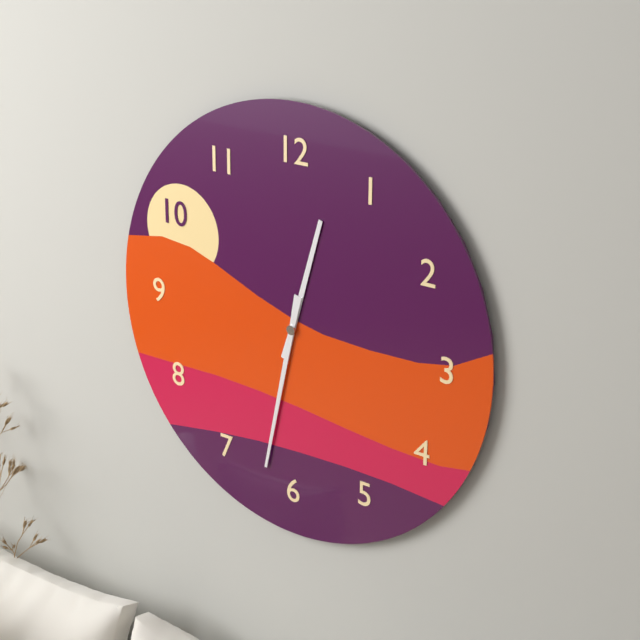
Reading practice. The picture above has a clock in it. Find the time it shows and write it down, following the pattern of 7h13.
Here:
12h32
